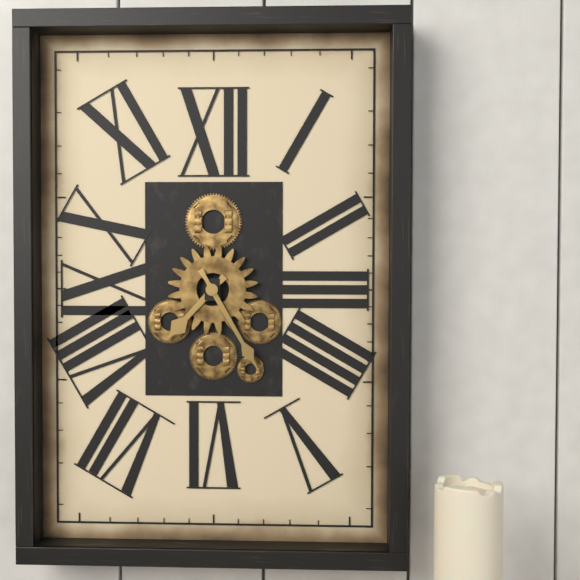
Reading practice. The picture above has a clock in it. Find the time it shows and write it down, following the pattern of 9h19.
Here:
7h25
